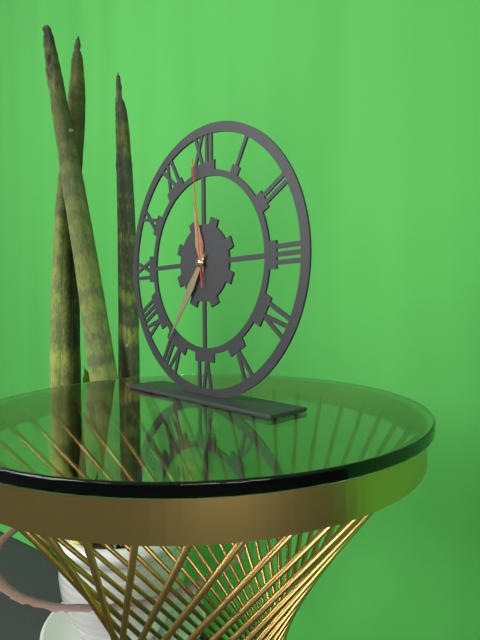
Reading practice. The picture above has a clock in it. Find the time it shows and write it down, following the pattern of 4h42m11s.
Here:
11h36m59s
